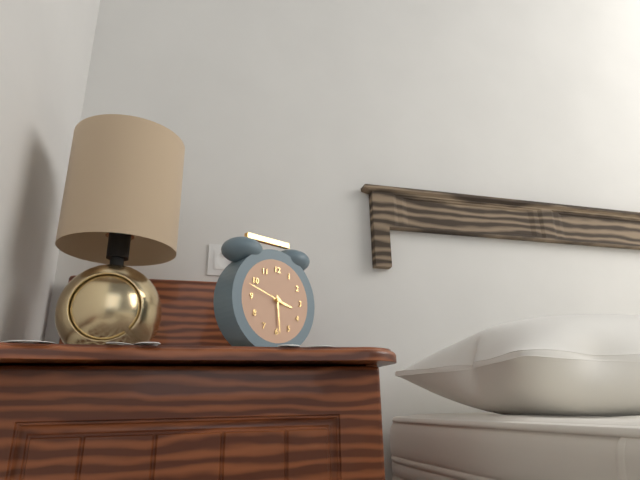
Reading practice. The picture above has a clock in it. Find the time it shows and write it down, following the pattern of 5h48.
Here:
3h29
